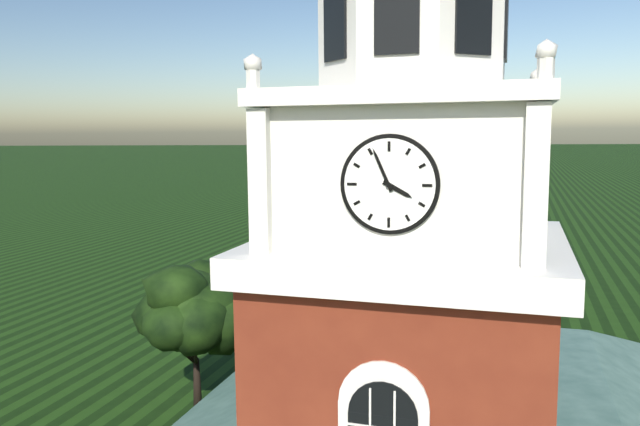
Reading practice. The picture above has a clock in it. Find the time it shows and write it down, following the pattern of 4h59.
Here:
3h56
